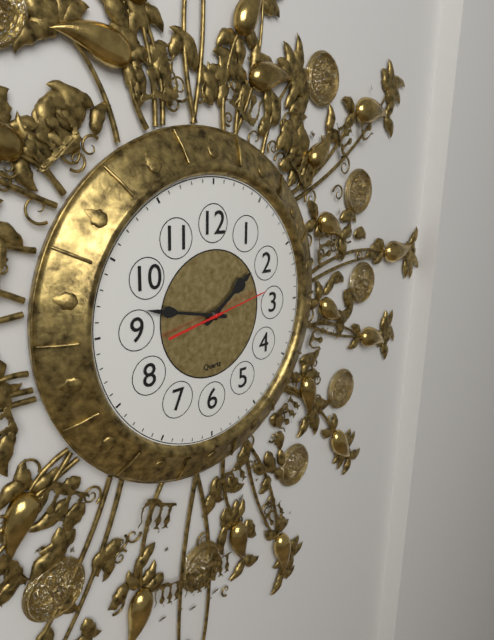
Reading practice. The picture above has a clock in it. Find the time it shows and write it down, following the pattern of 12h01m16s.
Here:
1h47m13s
